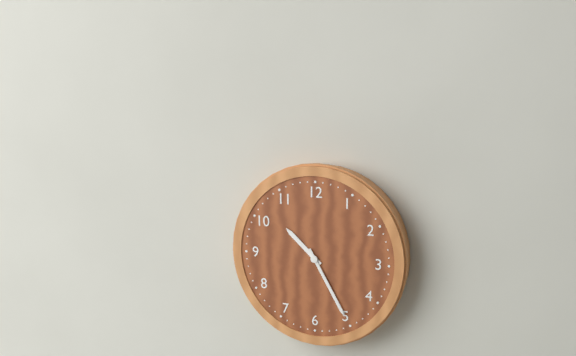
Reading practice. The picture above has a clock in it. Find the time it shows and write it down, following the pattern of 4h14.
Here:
10h25
